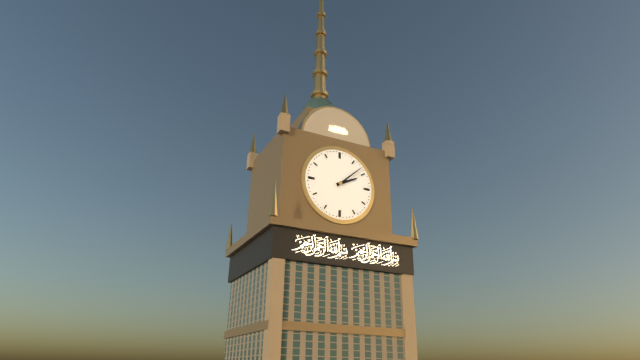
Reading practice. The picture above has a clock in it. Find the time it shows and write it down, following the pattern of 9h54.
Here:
2h08
